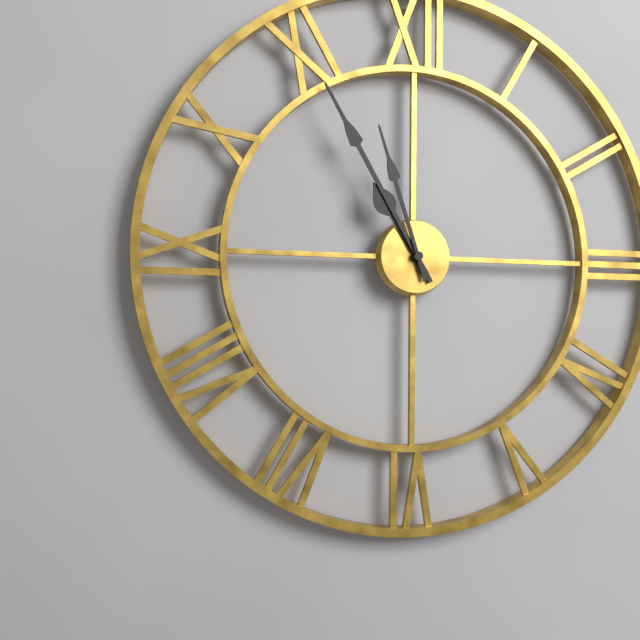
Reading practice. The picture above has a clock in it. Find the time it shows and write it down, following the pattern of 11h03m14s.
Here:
10h55m57s
